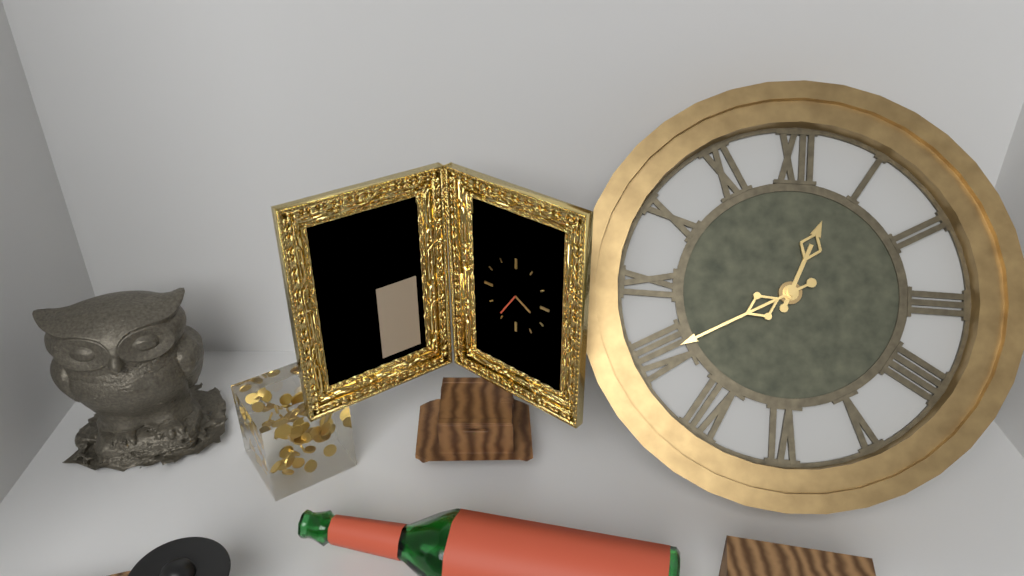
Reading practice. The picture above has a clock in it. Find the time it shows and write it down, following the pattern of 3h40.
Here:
12h40
